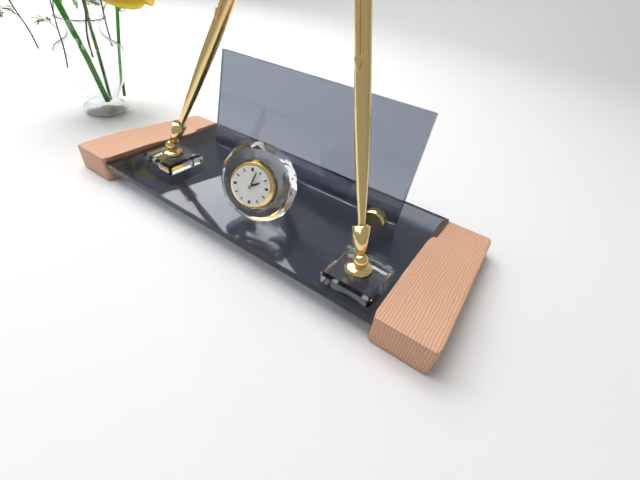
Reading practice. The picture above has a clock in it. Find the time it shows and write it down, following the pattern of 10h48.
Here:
2h03
